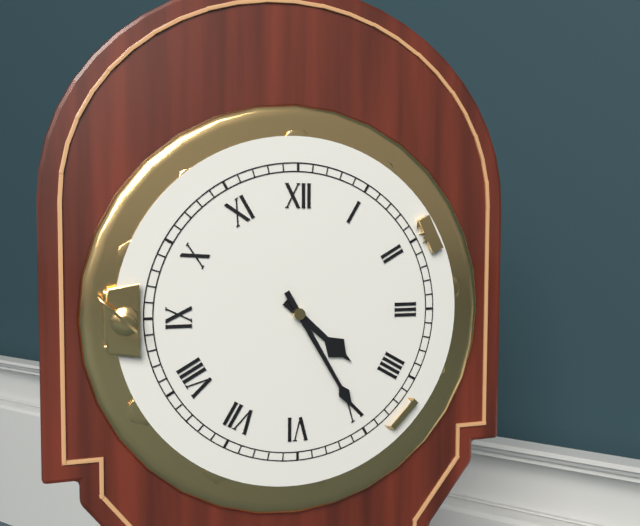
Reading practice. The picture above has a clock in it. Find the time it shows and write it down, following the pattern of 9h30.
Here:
4h25
